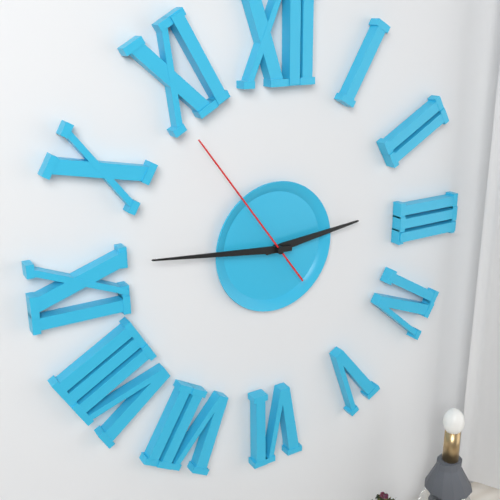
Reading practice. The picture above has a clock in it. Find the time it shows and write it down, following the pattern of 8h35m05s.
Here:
2h46m54s
